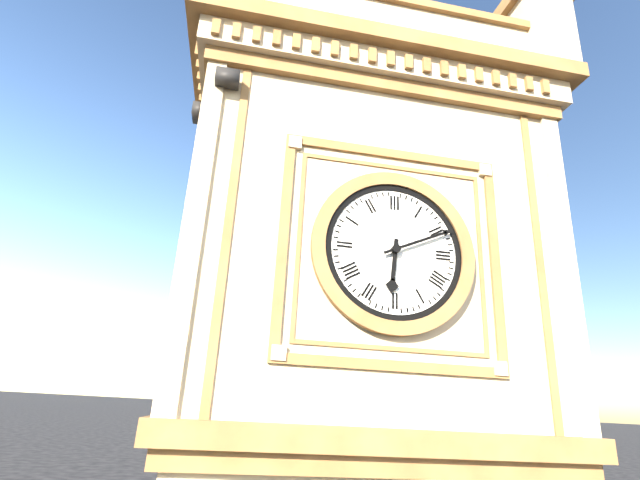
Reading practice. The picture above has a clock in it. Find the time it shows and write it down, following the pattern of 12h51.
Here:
6h11
